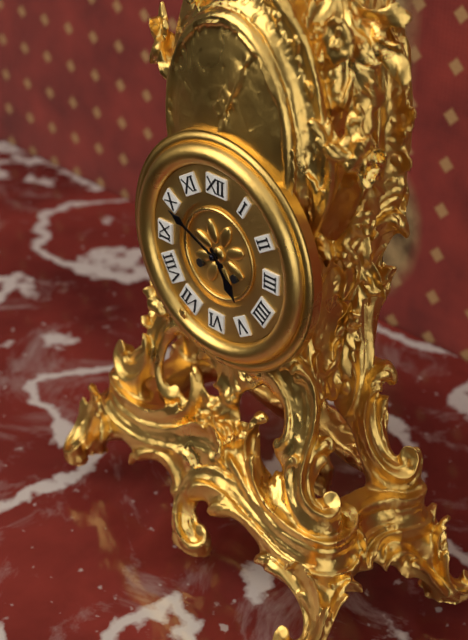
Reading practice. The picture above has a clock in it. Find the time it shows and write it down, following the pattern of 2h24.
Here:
4h49
